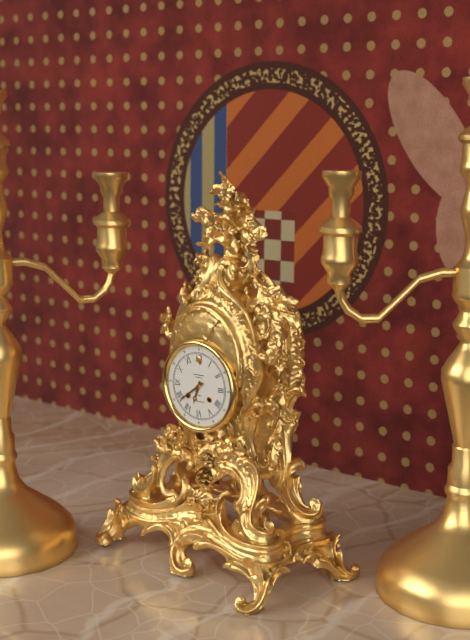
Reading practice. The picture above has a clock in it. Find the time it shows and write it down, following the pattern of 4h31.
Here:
6h39
